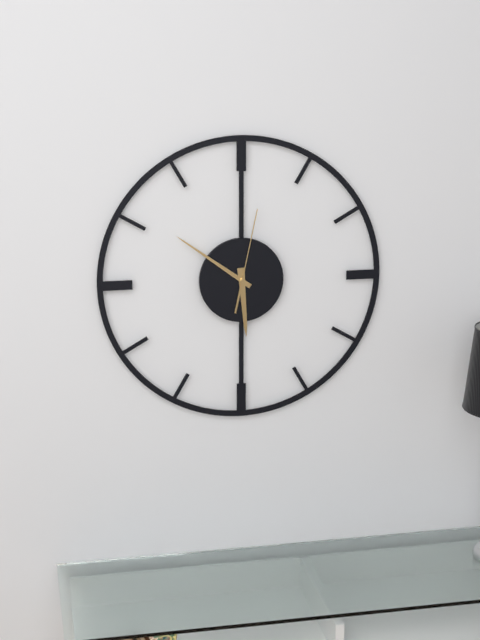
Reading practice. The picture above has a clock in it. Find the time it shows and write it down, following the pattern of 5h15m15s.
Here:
5h51m02s
